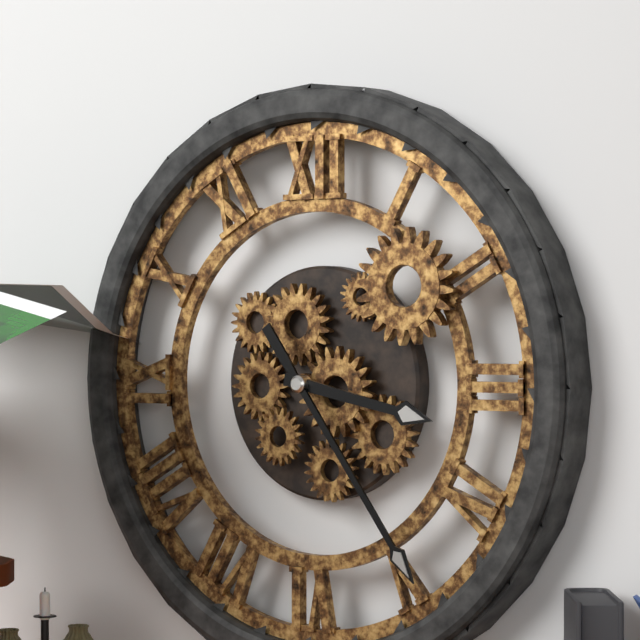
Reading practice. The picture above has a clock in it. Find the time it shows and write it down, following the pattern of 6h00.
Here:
3h24
